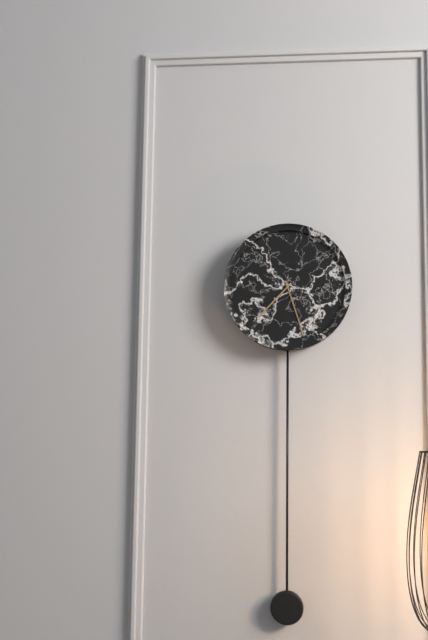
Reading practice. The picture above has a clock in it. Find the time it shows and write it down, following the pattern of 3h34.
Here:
7h27
